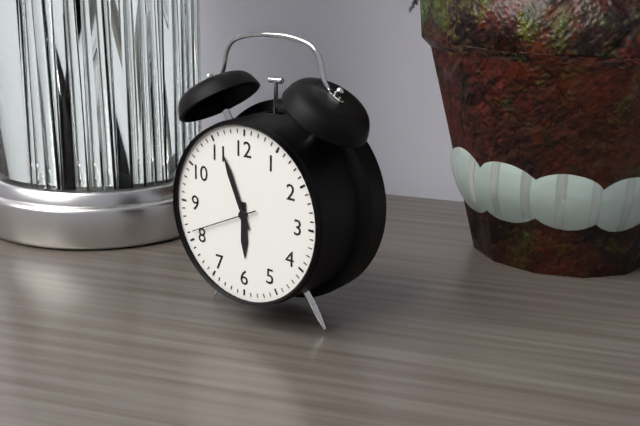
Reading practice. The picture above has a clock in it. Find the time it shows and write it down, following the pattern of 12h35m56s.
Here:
5h56m41s
